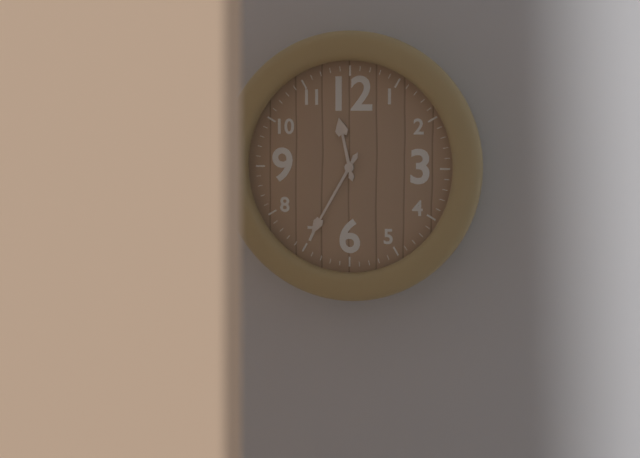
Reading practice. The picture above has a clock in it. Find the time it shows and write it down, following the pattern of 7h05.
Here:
11h35
